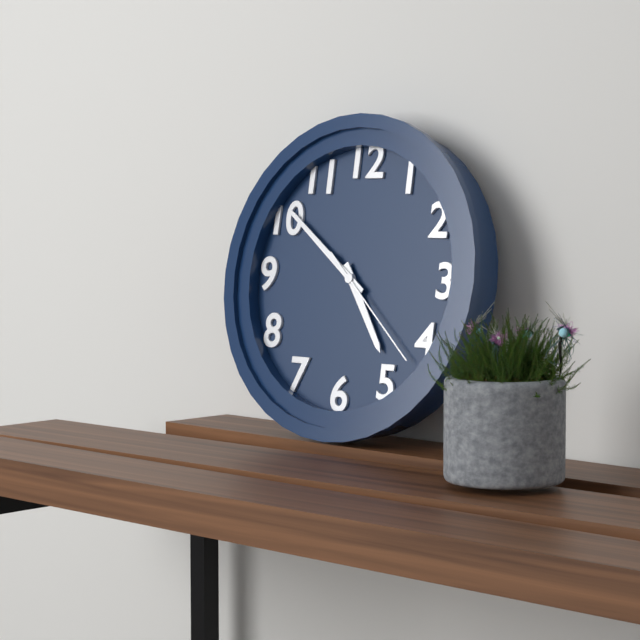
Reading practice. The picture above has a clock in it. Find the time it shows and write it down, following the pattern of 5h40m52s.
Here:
4h51m22s
